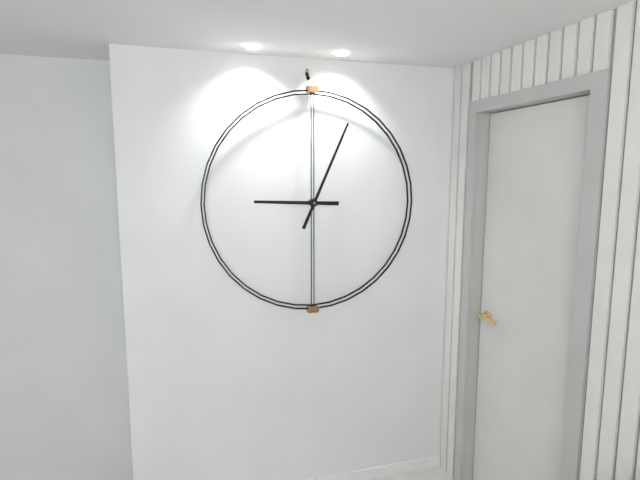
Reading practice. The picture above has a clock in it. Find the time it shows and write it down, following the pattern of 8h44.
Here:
9h04
